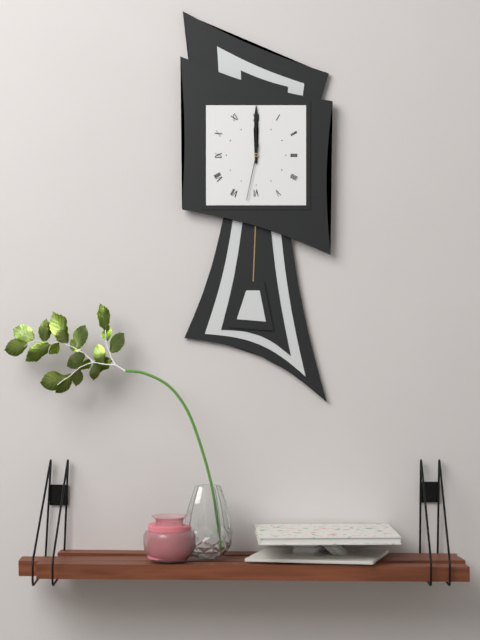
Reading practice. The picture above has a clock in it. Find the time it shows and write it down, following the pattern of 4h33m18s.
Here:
12h00m32s
